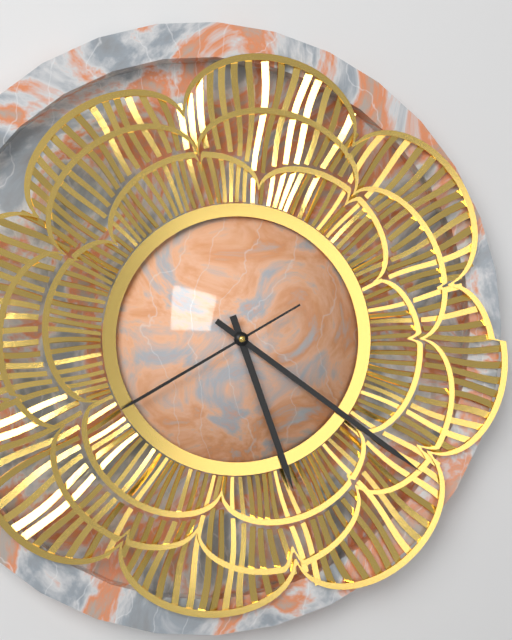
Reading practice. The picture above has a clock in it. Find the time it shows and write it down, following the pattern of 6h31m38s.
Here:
5h21m40s
